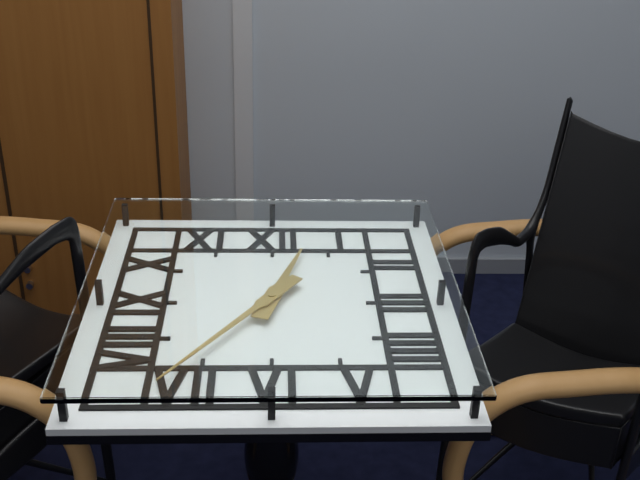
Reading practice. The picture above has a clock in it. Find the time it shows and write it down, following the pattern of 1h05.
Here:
12h36
